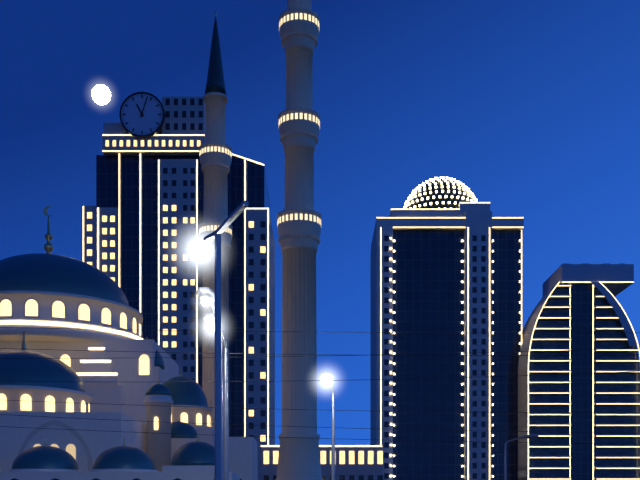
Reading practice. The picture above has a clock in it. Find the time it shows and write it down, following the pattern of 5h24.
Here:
11h03
